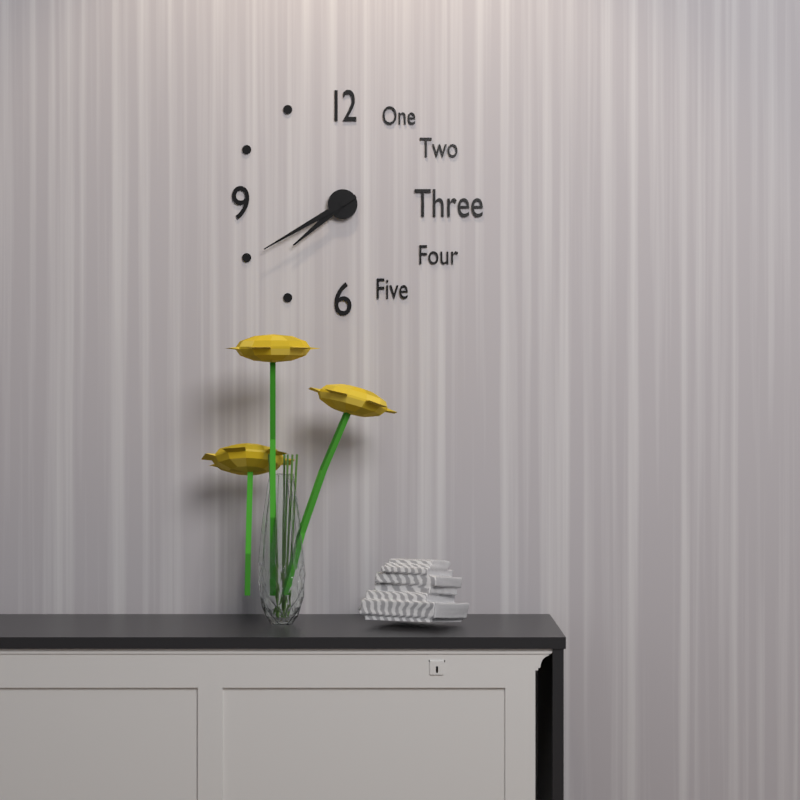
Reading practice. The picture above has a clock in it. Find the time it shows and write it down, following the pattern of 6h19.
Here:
7h40
